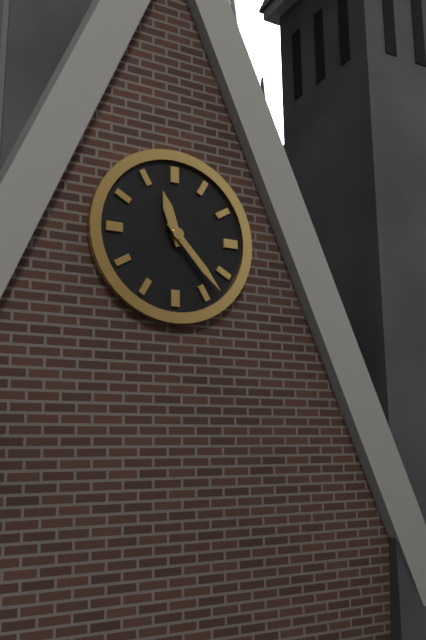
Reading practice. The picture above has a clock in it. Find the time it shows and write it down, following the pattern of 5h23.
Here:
11h23
